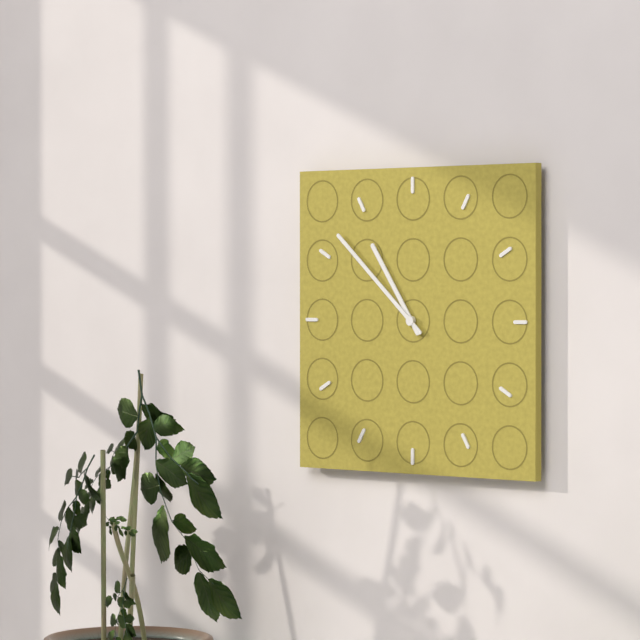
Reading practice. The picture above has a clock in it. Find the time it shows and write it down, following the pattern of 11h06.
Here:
10h52
